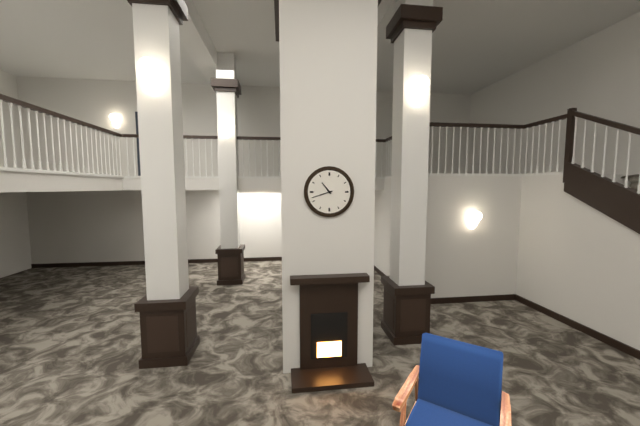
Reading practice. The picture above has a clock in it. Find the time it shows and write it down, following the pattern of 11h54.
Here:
10h42
